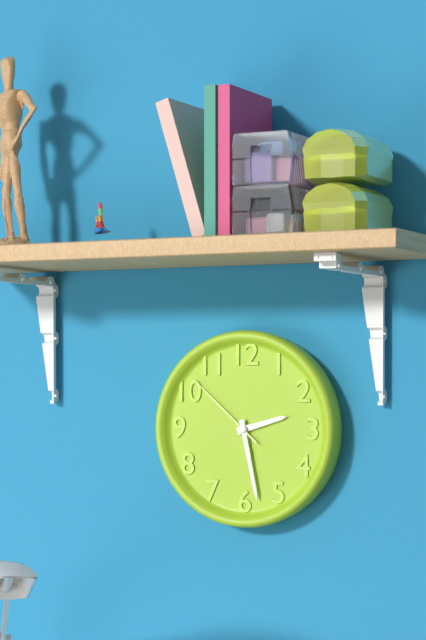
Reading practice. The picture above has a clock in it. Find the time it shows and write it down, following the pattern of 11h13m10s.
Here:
2h28m52s
